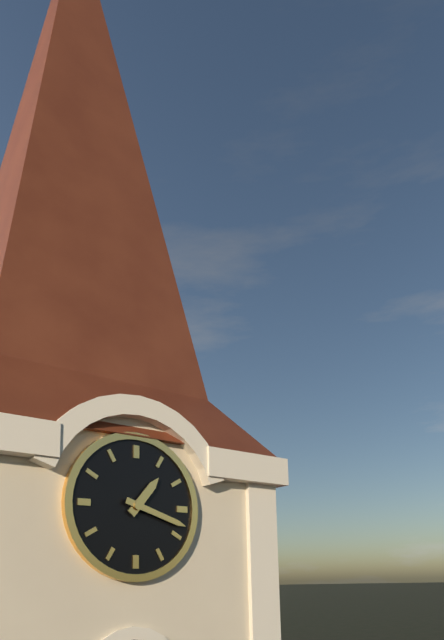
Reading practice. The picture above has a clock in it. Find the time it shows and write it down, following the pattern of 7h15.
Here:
1h18
